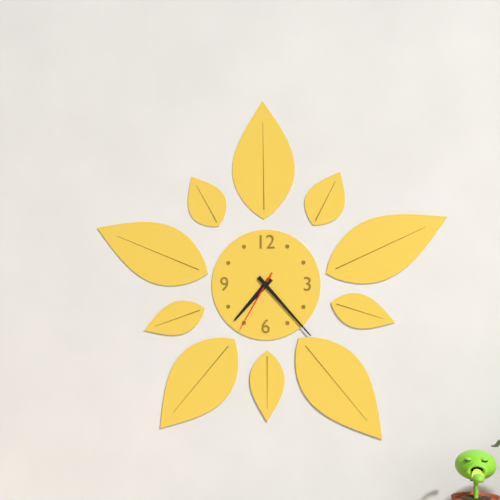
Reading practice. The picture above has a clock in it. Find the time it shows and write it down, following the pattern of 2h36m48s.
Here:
7h23m35s
